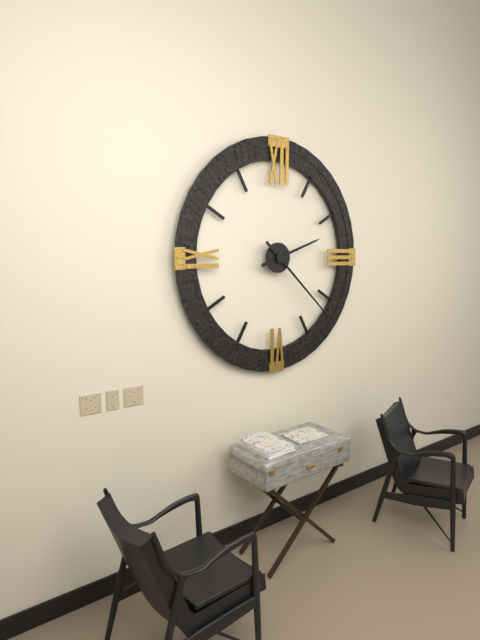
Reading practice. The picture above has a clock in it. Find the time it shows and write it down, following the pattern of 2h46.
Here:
2h22
